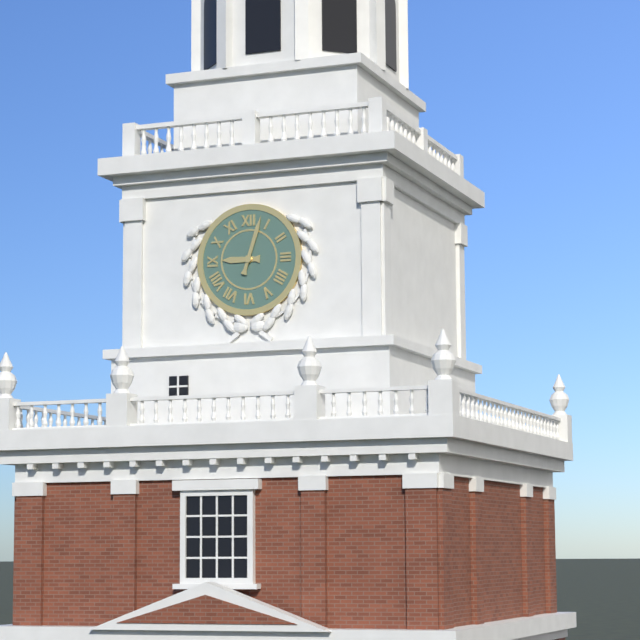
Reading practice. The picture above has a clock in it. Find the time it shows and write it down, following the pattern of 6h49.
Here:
9h03
